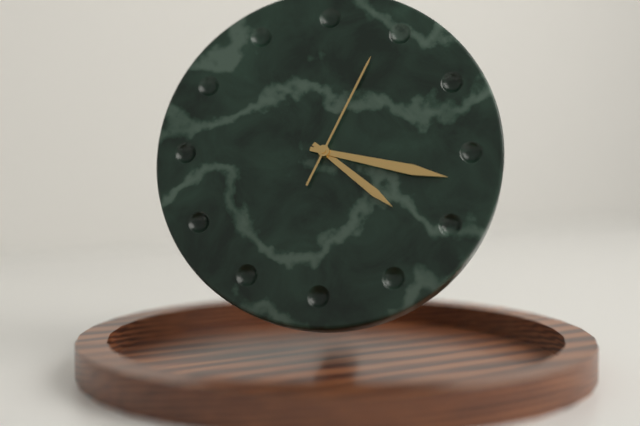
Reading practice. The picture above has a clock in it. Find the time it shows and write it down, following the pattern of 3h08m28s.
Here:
4h17m04s
